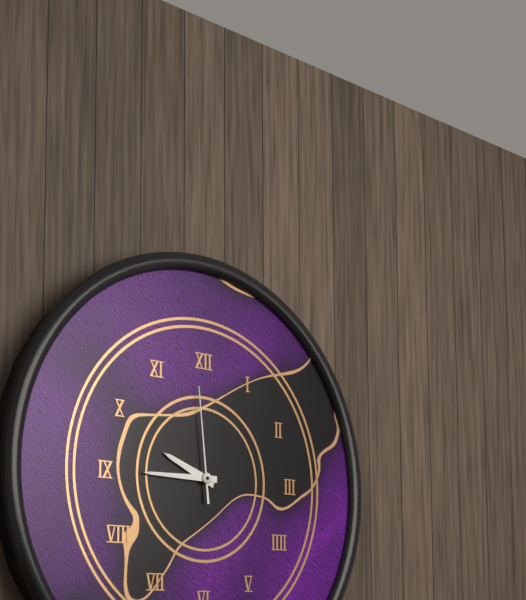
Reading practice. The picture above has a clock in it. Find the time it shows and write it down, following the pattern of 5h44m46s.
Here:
9h45m59s
